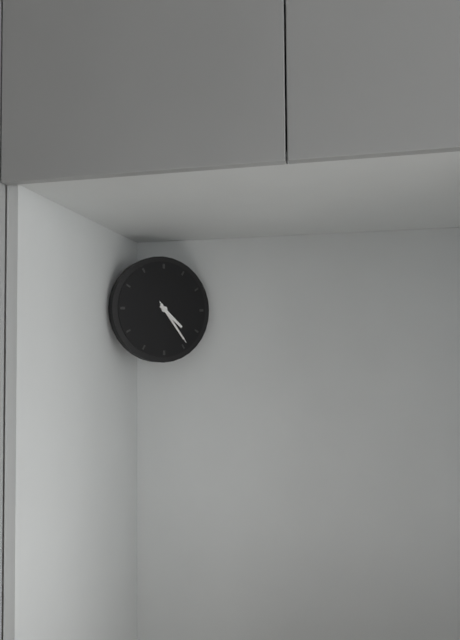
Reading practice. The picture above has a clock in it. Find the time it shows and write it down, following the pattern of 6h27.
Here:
4h24
